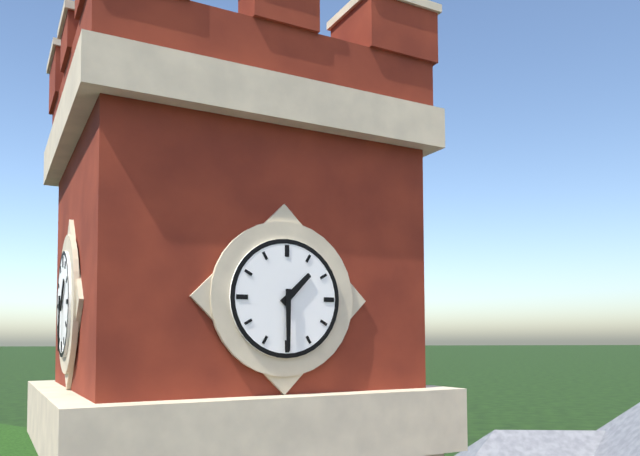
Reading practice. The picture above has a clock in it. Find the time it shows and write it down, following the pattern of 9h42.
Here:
1h30
